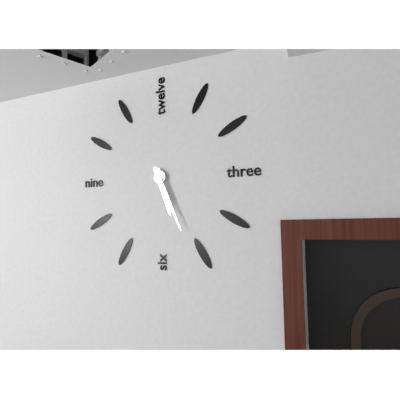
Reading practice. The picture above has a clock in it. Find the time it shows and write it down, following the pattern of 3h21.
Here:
5h26
